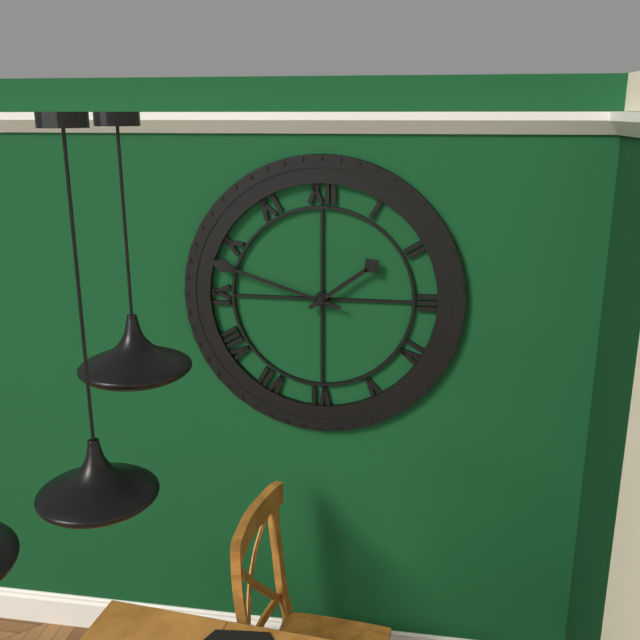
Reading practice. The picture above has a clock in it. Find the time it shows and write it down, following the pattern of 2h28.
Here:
1h48
